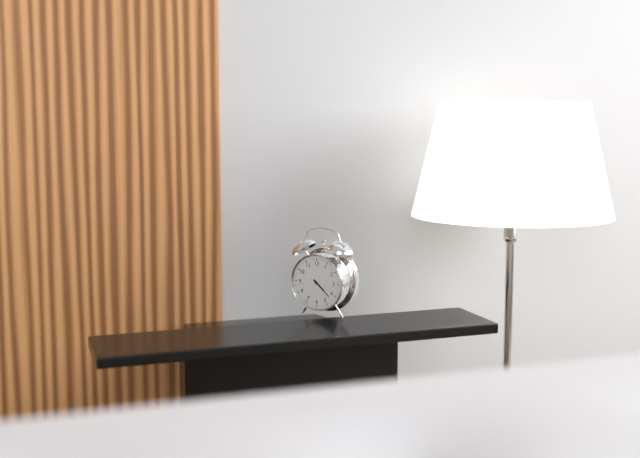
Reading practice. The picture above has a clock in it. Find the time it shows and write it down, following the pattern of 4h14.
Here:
4h22
